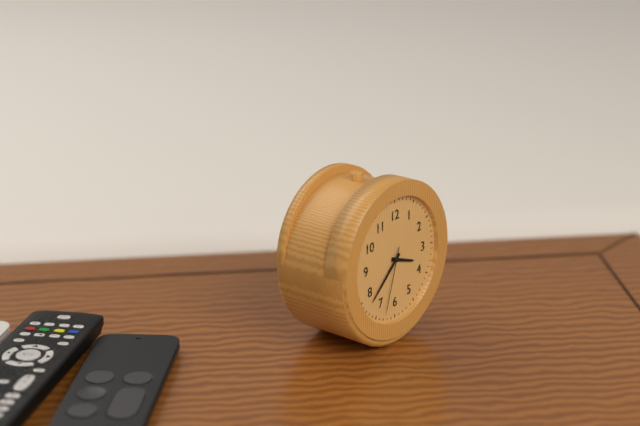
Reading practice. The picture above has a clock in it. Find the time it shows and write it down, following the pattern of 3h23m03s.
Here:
3h38m33s
